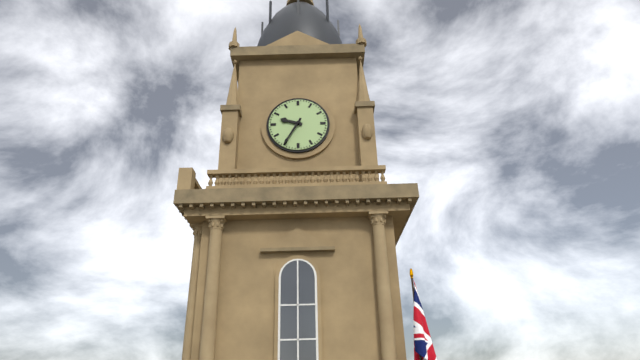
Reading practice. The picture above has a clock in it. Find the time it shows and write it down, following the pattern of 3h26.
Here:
9h35
